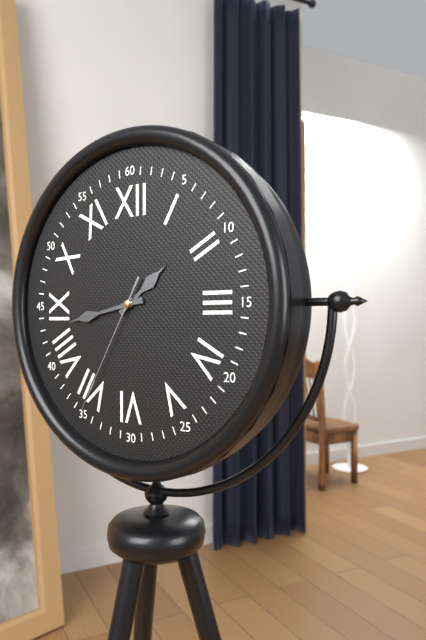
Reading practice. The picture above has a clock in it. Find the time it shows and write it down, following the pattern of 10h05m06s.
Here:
1h43m35s
